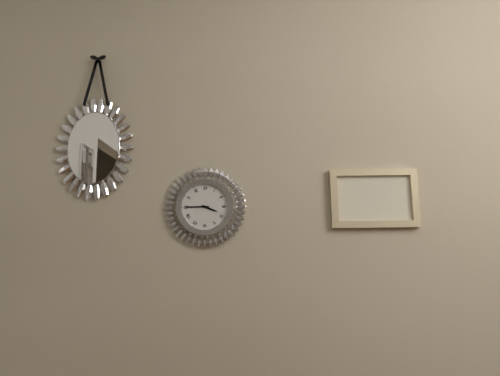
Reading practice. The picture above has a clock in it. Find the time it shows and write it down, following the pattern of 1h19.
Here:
3h45
